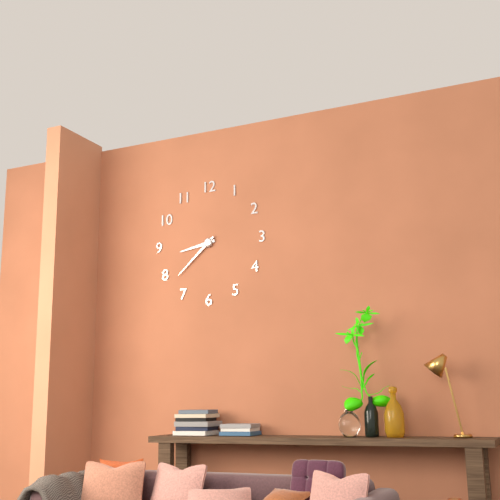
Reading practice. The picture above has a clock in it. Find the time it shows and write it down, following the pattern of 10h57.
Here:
8h38
